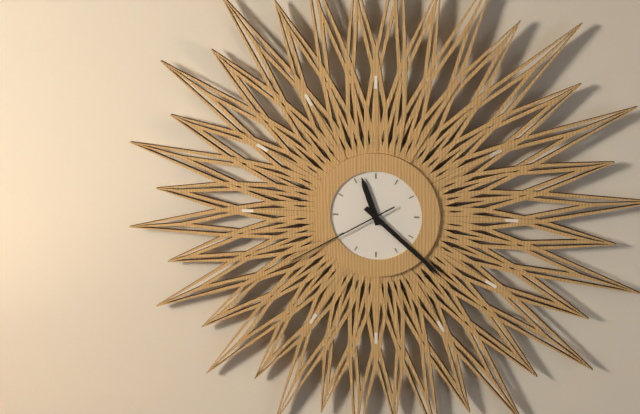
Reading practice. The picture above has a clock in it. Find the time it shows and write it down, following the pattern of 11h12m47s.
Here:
11h22m40s
